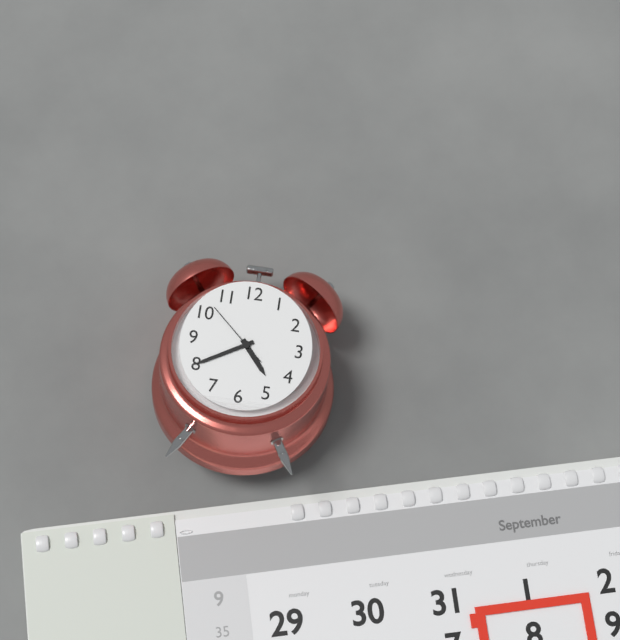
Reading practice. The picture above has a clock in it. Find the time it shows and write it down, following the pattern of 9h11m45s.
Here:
4h40m52s
